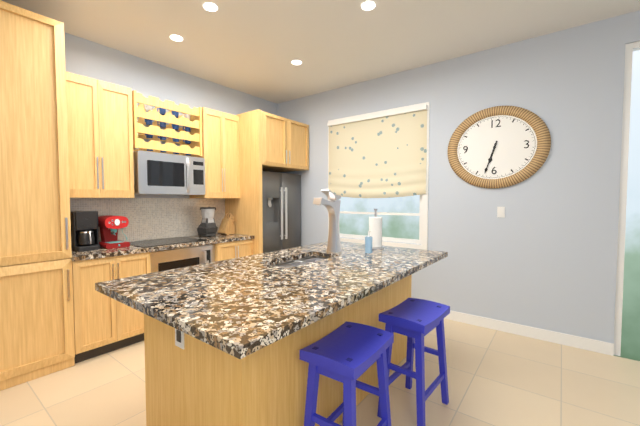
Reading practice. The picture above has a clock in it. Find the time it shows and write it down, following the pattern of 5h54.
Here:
6h33
